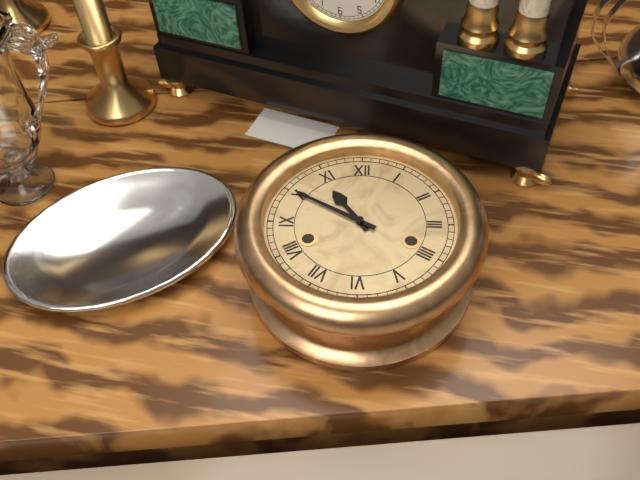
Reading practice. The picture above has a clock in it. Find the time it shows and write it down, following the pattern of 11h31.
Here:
10h50
